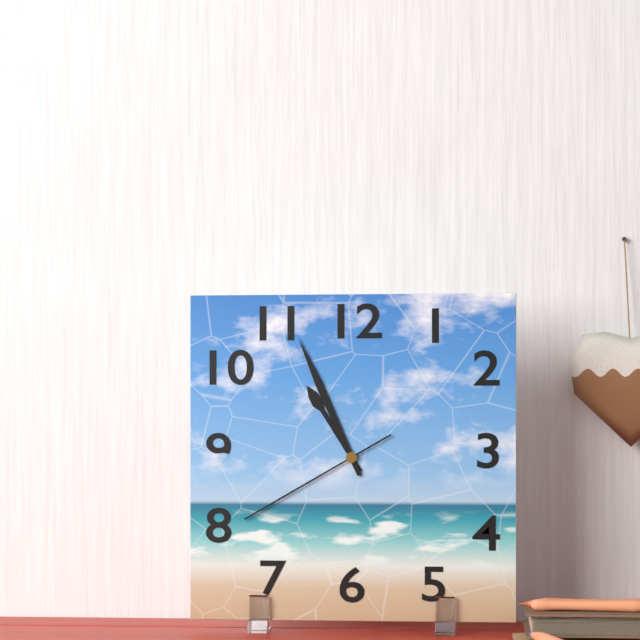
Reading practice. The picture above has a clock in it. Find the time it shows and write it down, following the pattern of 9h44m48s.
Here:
10h56m40s
